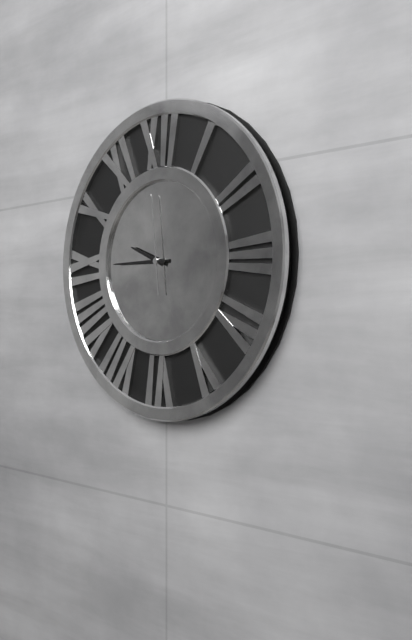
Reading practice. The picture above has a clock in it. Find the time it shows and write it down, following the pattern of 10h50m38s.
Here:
9h45m59s
